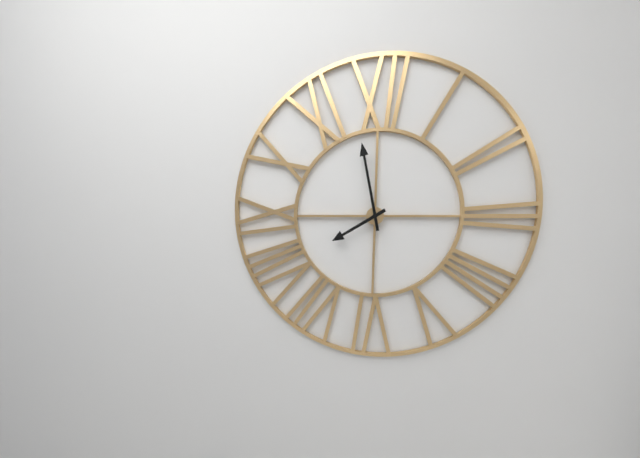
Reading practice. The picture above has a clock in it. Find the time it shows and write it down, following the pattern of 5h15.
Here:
7h58
